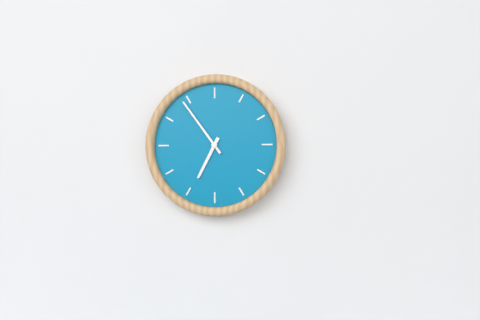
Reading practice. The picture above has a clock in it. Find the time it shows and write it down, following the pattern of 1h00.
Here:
6h54
